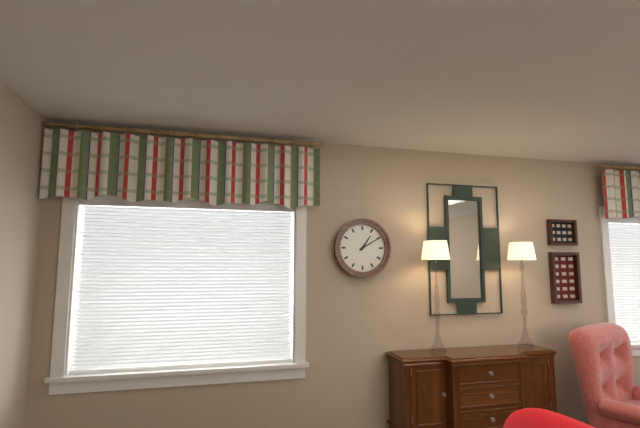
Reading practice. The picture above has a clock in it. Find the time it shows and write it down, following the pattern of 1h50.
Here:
1h10
